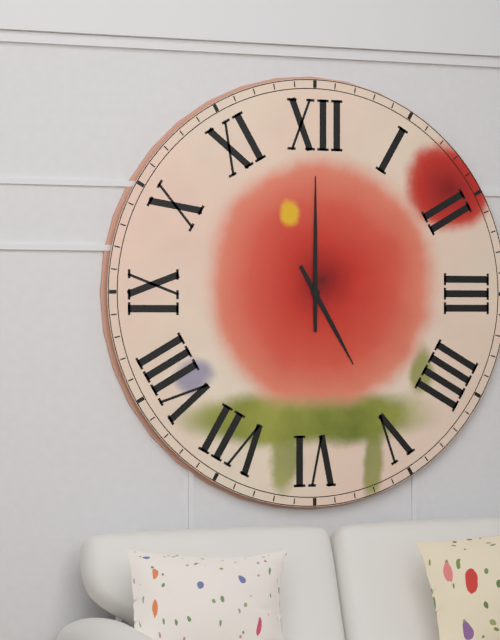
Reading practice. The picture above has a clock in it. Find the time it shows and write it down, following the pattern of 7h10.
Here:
5h00
